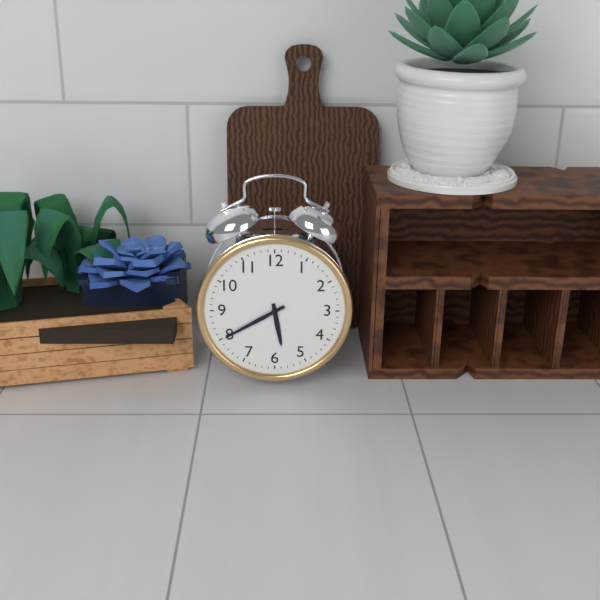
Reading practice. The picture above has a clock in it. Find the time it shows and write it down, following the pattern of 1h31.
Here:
5h40
